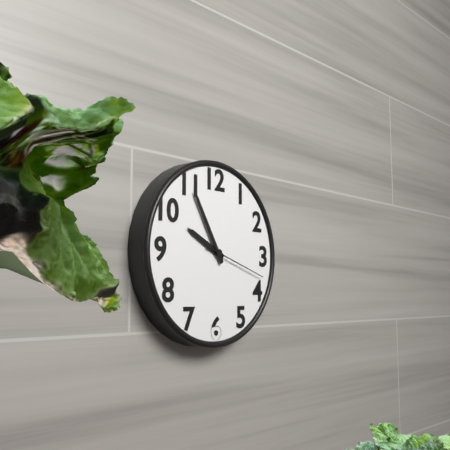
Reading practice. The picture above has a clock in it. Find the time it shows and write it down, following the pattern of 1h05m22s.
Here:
9h55m18s
